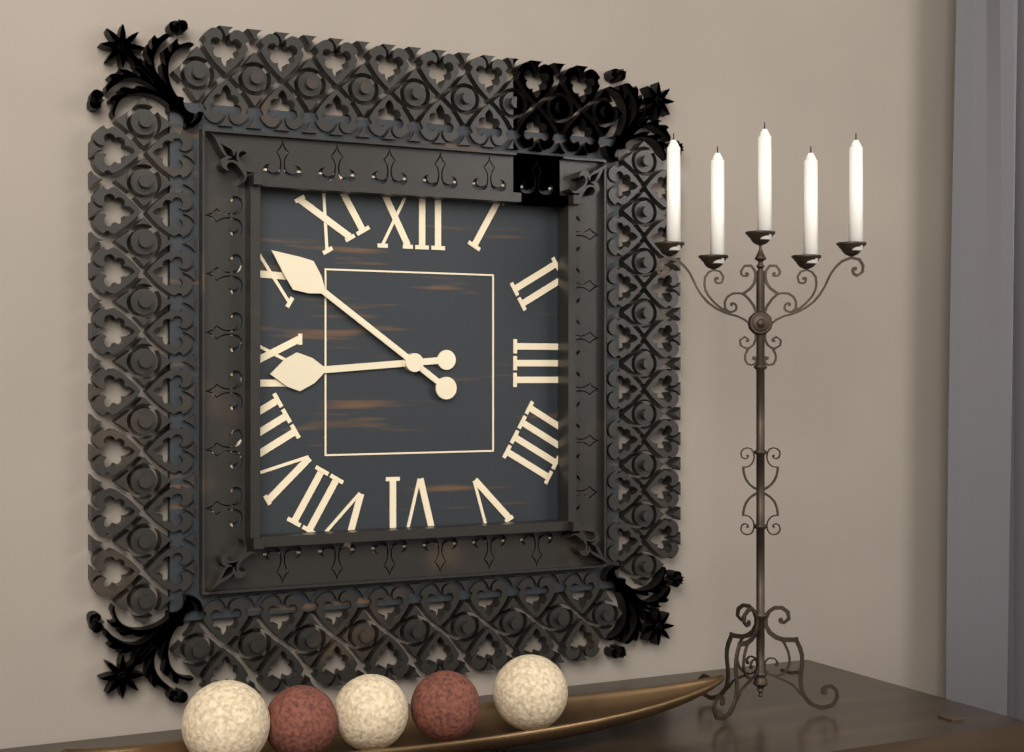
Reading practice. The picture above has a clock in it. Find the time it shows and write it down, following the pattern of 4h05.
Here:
8h51
